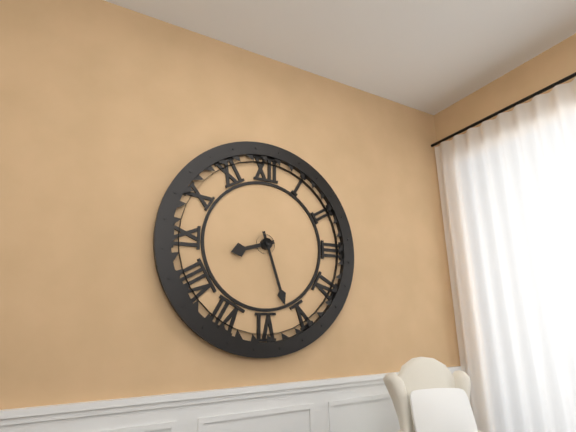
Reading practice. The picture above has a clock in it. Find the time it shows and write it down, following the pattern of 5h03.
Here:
8h27
